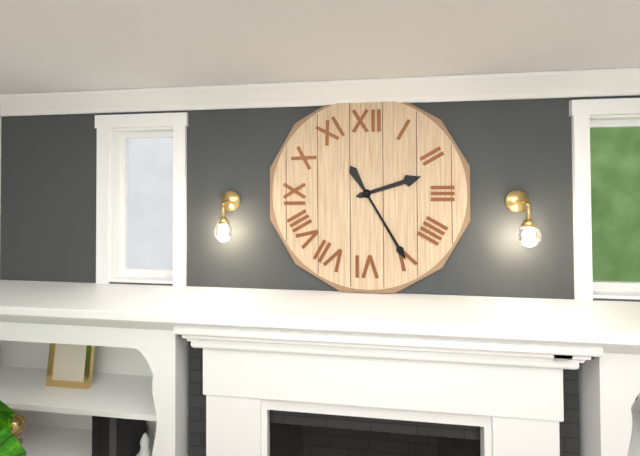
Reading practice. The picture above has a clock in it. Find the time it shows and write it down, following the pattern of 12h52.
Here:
2h25
